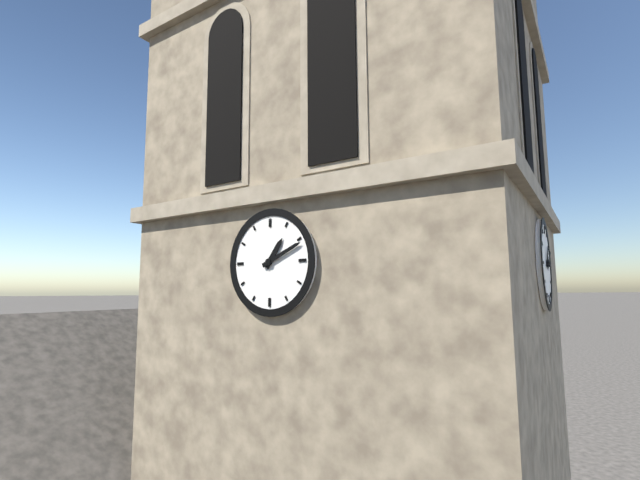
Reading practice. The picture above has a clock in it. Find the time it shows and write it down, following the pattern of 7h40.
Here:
1h11
